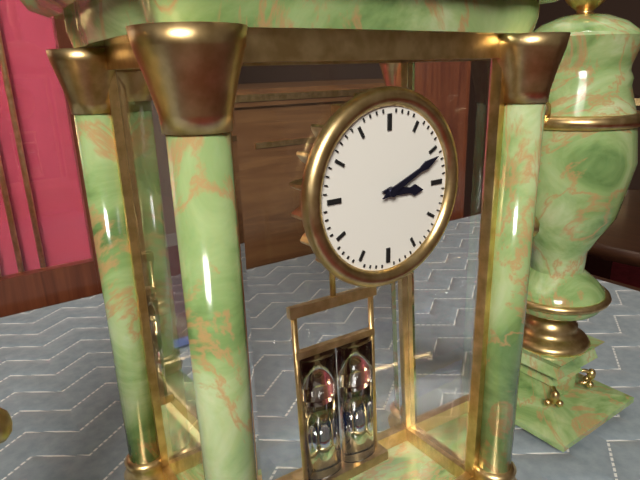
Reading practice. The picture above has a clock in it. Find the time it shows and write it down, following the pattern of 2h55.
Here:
3h11
